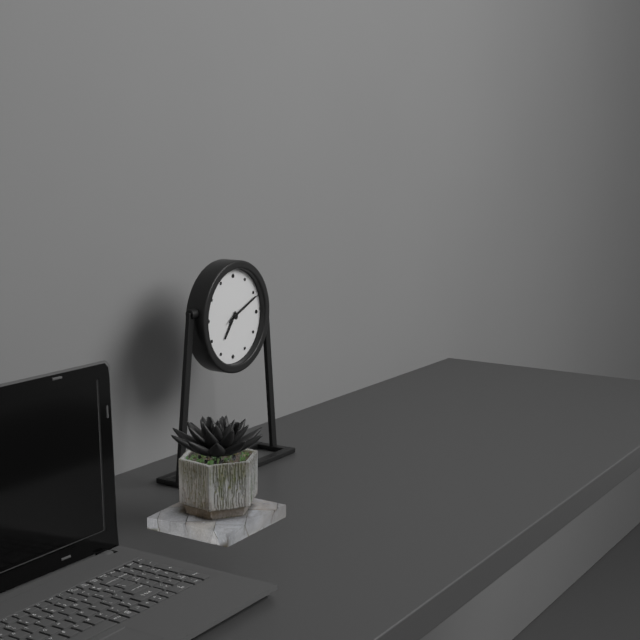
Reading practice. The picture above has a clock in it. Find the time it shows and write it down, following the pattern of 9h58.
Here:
7h11
